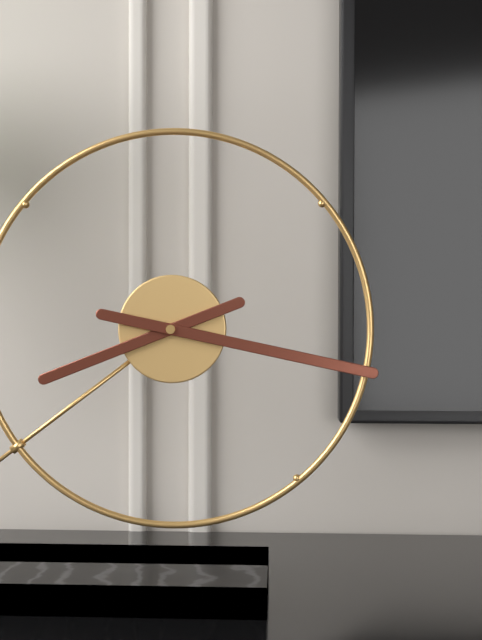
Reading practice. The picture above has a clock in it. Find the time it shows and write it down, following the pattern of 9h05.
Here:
8h17
